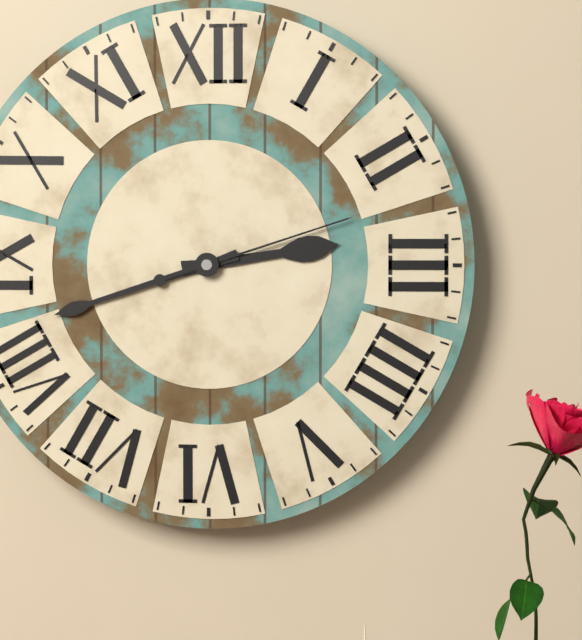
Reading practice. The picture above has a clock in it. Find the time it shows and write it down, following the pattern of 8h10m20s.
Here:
2h42m12s
